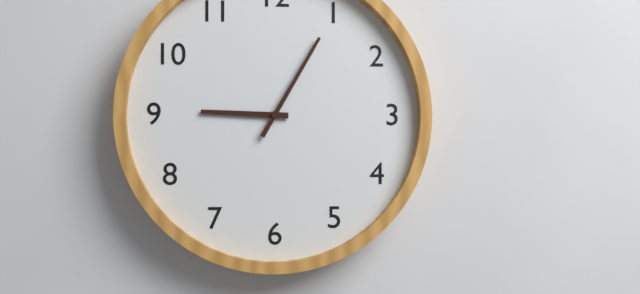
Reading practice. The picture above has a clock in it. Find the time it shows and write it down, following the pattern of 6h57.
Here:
9h05
